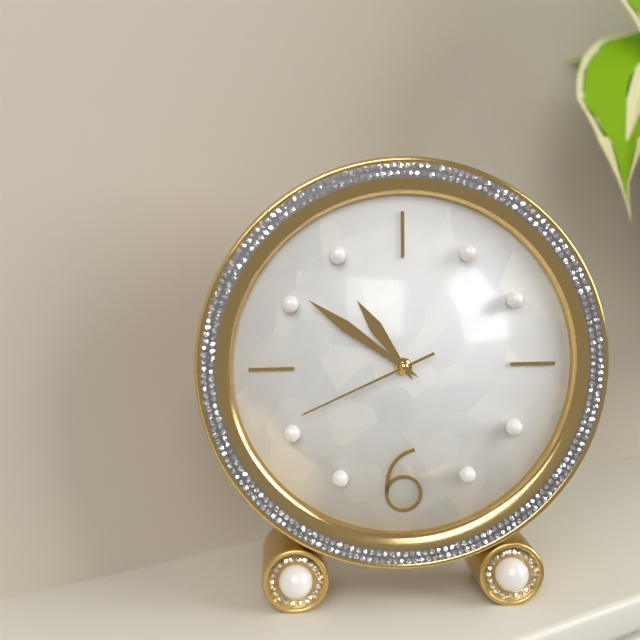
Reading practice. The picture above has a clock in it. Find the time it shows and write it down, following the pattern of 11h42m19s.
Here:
10h51m41s
